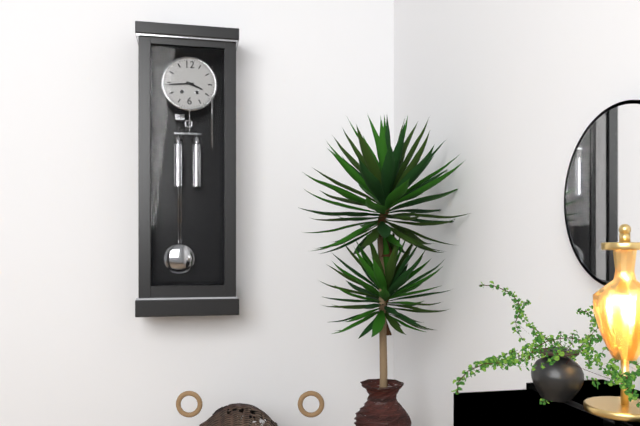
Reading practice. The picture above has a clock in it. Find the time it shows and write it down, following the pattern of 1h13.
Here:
3h44
